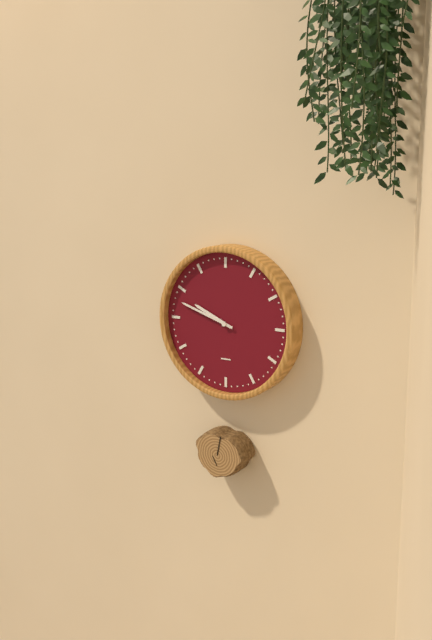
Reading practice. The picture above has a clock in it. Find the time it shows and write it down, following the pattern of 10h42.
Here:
9h48
